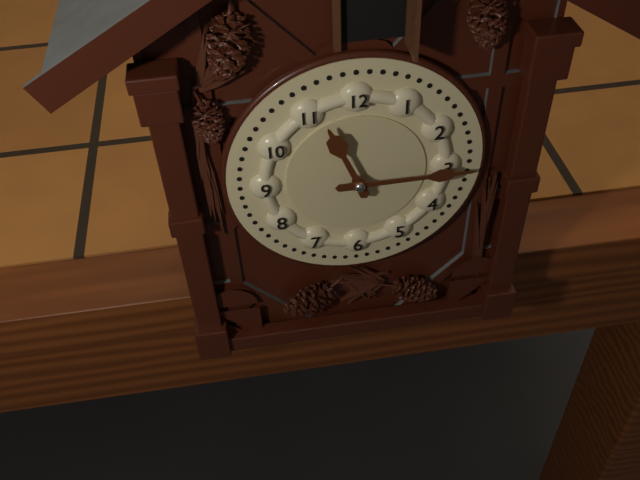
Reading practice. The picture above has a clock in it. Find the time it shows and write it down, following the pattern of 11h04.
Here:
11h15
